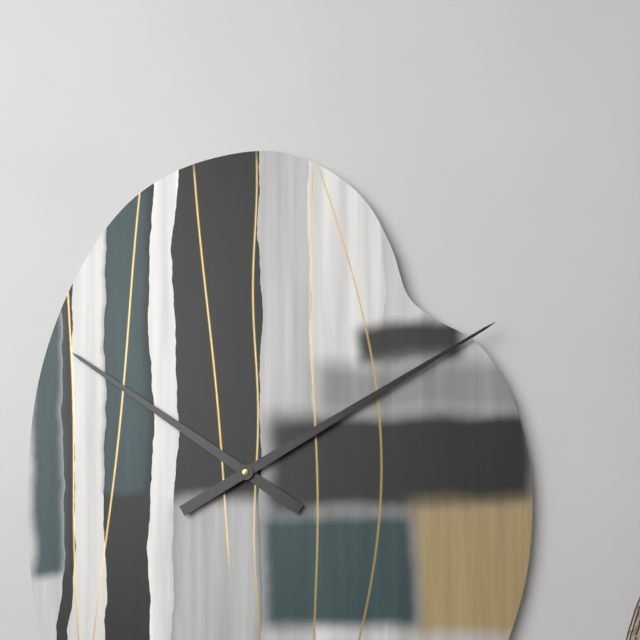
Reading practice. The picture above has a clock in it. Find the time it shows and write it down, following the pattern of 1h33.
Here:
10h10
